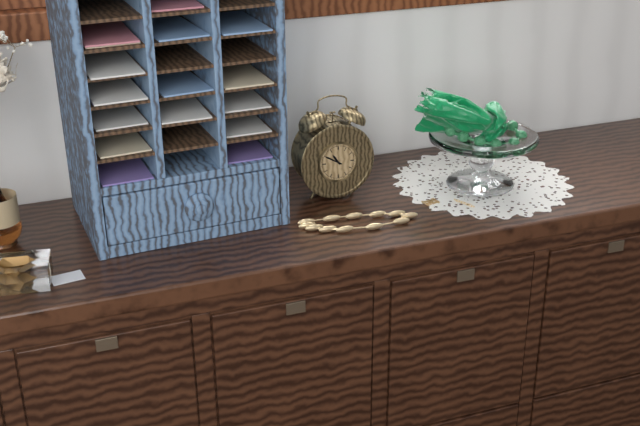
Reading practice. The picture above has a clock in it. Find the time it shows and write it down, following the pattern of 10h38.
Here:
10h50
